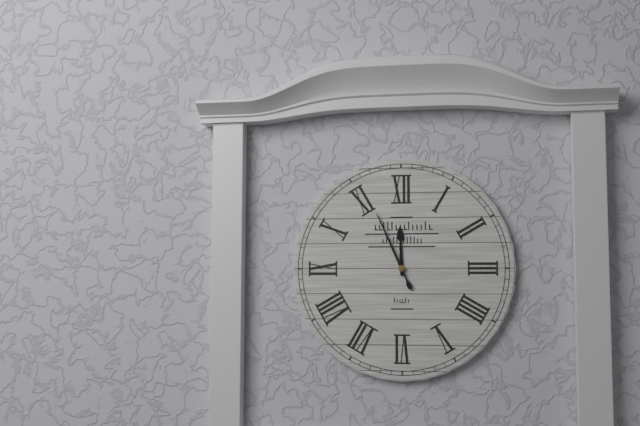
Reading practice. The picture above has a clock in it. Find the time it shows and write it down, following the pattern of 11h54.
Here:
11h56
